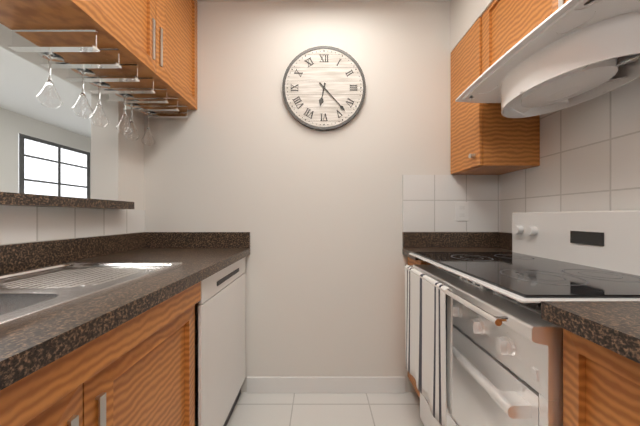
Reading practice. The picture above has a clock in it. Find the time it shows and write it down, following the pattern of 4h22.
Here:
6h23
